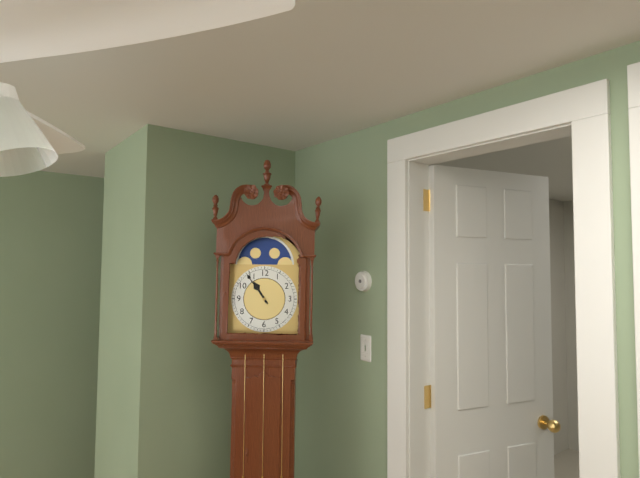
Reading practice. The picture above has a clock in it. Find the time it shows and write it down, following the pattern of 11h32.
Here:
10h54
